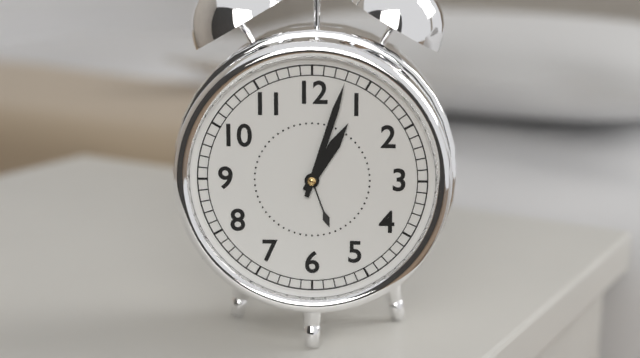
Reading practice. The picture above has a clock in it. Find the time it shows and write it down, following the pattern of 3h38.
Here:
1h03
